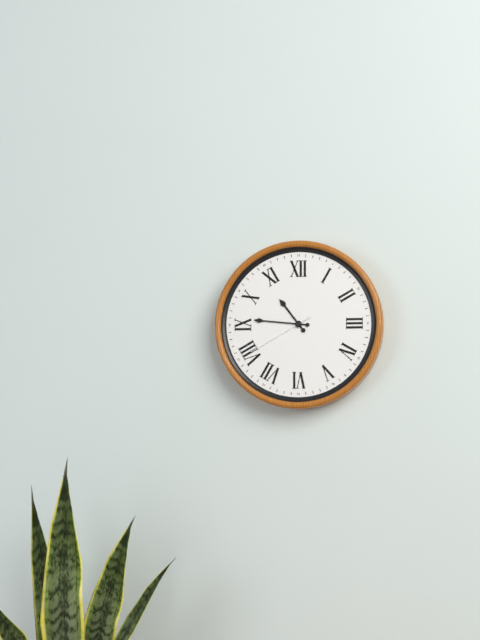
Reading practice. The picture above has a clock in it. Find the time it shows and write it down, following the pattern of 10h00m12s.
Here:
10h46m40s
